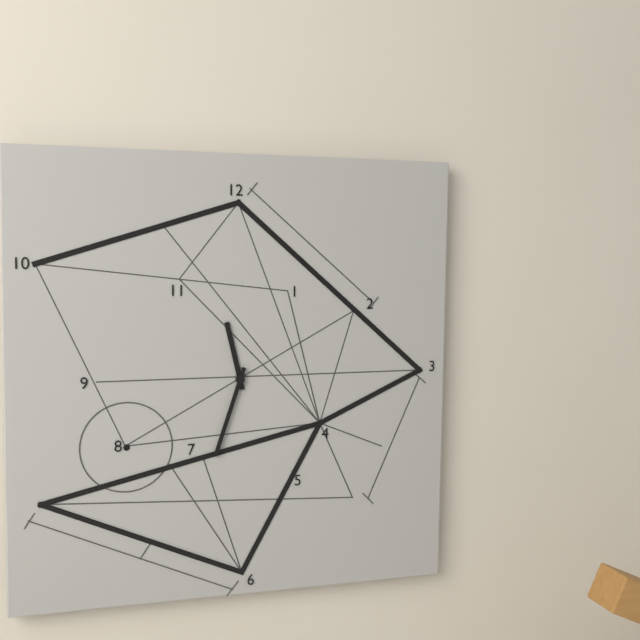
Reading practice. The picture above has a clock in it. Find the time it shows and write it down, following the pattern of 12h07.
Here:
11h33
